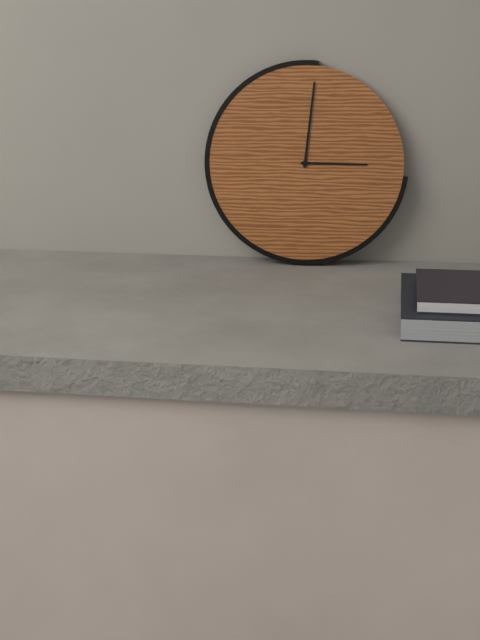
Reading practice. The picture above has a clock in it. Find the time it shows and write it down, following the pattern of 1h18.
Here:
3h01
